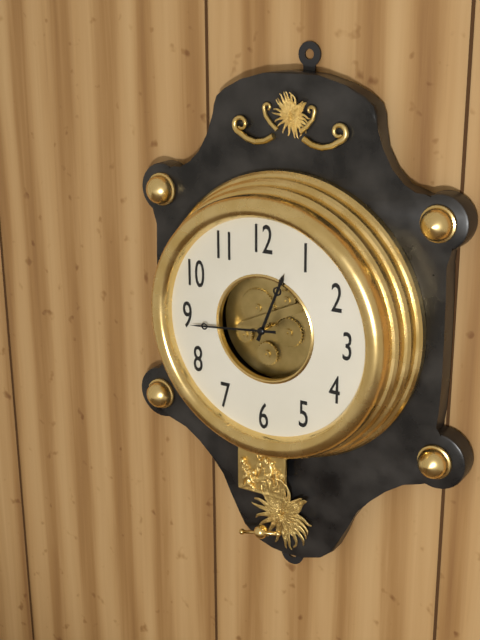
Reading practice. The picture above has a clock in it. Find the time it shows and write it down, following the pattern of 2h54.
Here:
12h44
